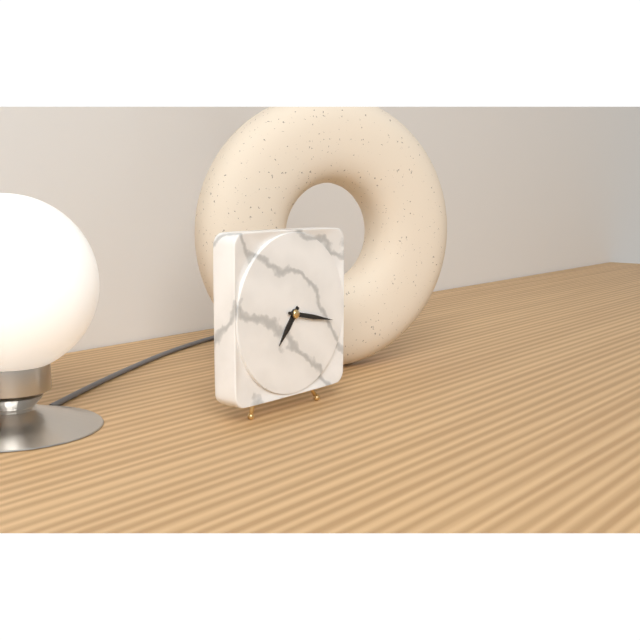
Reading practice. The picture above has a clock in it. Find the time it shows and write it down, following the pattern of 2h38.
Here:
7h17
